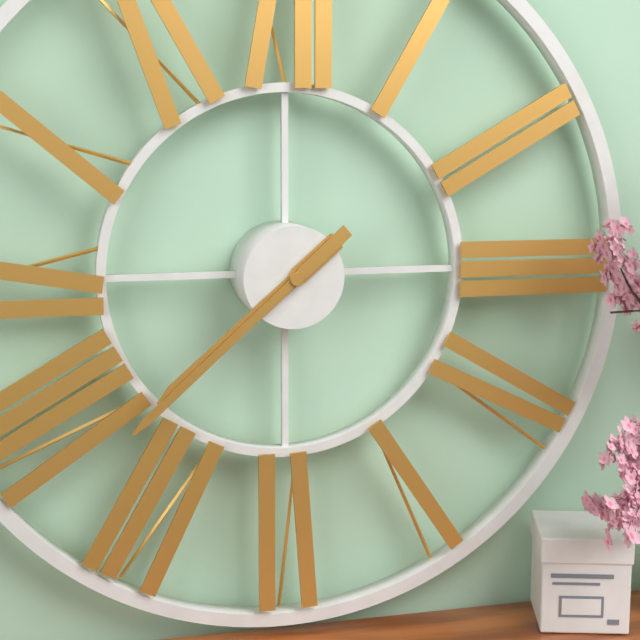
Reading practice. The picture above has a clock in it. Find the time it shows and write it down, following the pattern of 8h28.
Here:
7h38
